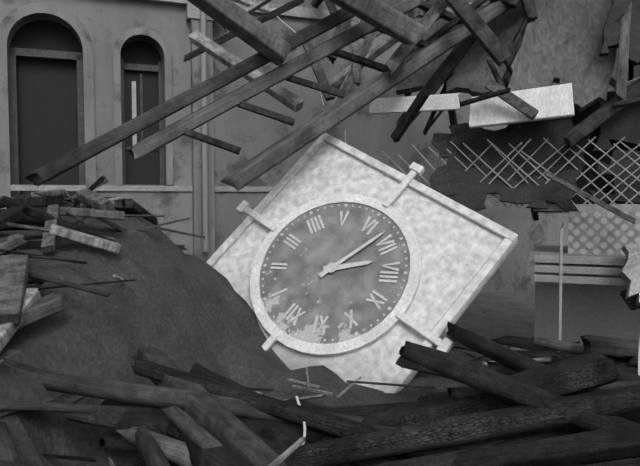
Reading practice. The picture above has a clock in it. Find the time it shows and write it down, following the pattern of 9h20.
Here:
7h33
